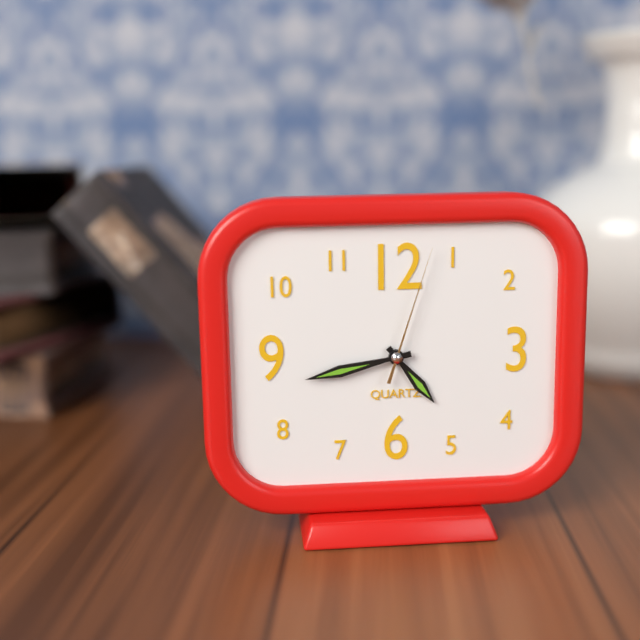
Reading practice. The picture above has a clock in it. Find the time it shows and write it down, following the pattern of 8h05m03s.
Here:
4h43m03s
